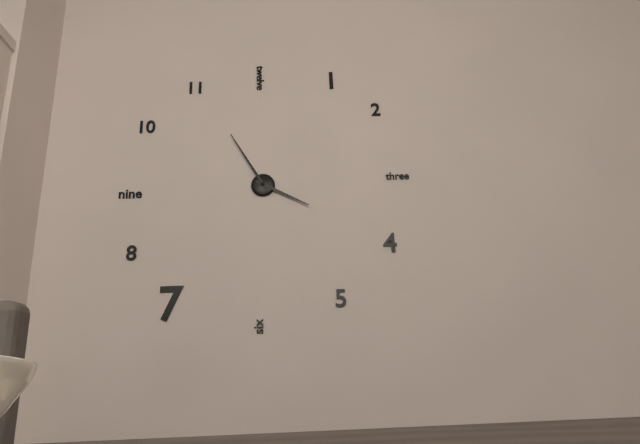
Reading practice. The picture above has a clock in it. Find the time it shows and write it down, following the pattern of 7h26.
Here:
3h55
